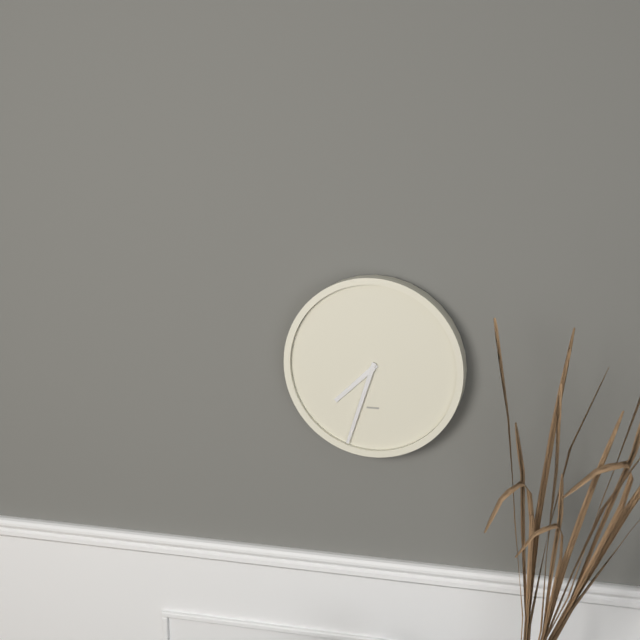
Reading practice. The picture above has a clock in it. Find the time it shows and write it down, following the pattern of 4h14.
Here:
7h33
